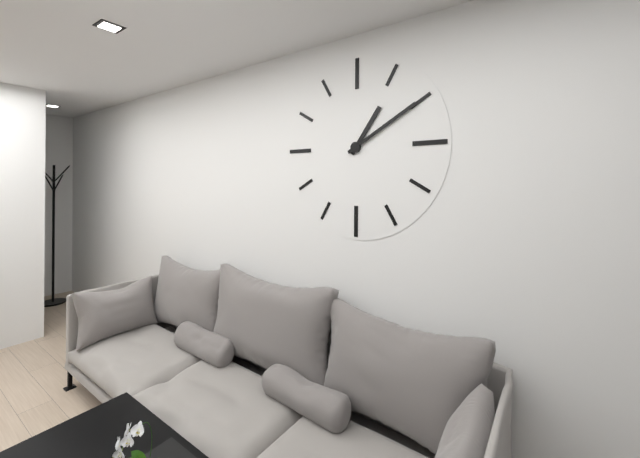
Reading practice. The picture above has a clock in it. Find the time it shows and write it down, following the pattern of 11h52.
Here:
1h10
